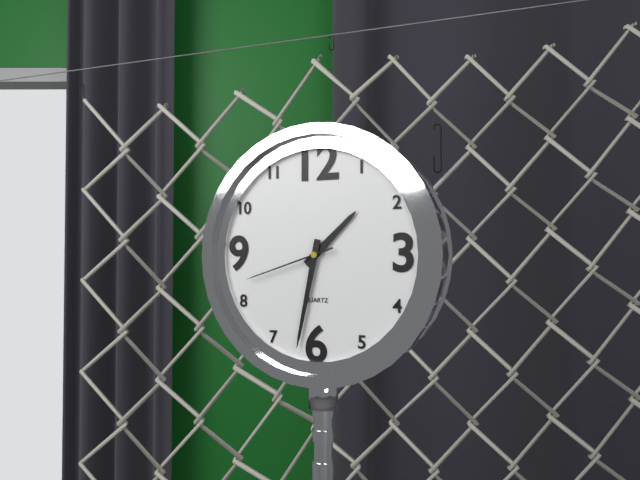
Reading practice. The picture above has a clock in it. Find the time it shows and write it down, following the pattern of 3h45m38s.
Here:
1h32m42s
